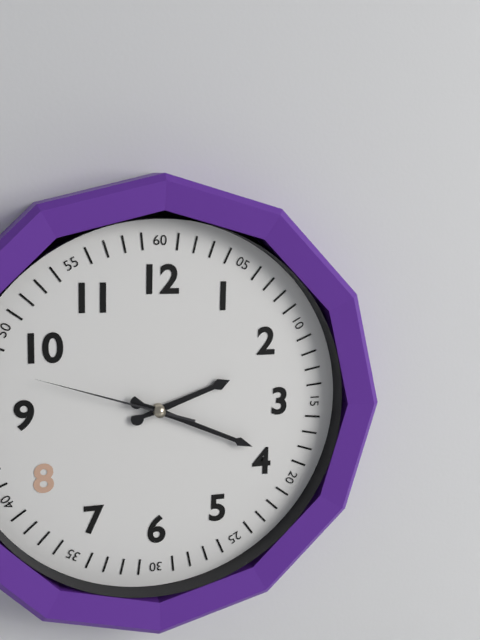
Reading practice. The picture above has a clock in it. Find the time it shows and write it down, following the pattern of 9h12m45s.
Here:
2h19m48s
